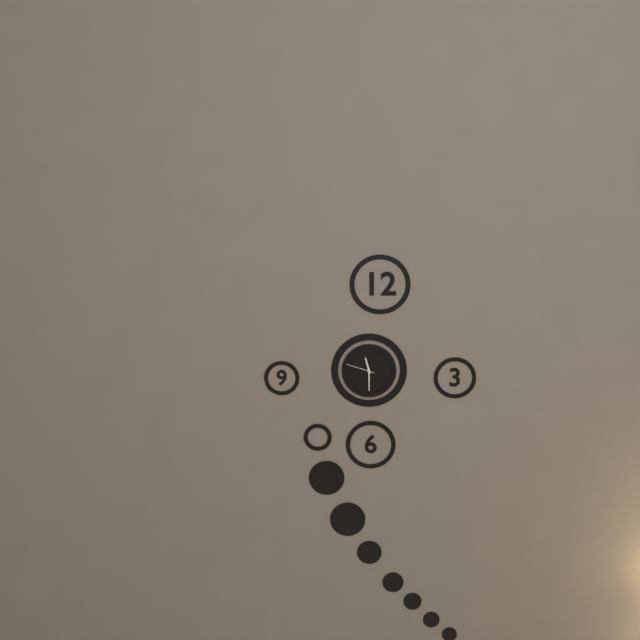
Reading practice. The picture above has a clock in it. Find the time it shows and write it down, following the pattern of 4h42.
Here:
11h30
